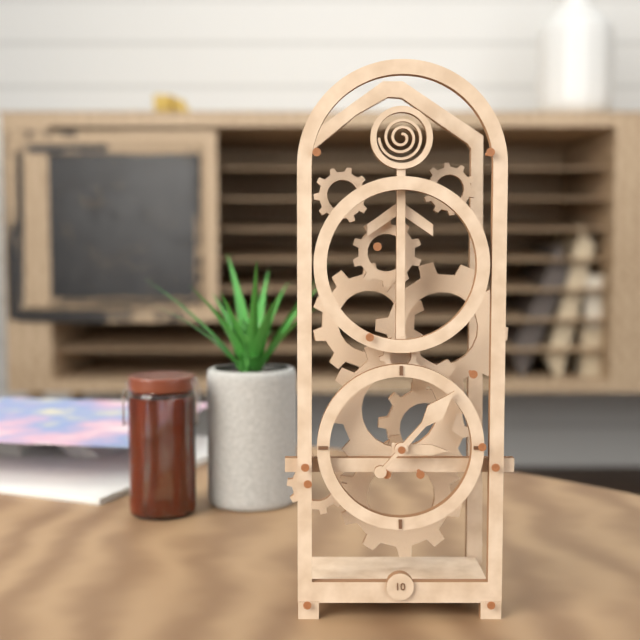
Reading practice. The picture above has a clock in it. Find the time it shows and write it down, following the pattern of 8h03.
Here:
3h07
